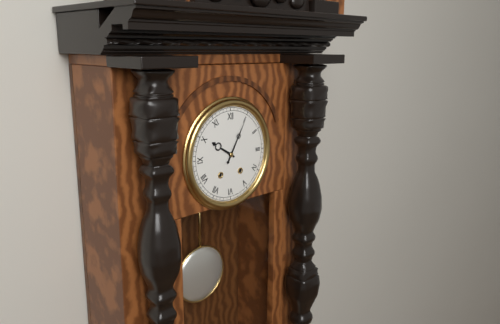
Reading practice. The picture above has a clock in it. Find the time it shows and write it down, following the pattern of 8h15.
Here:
10h05
